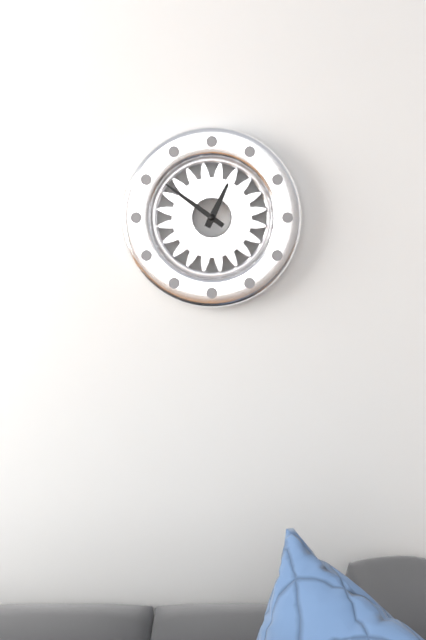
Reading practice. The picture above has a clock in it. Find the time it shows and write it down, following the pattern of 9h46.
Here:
12h51
